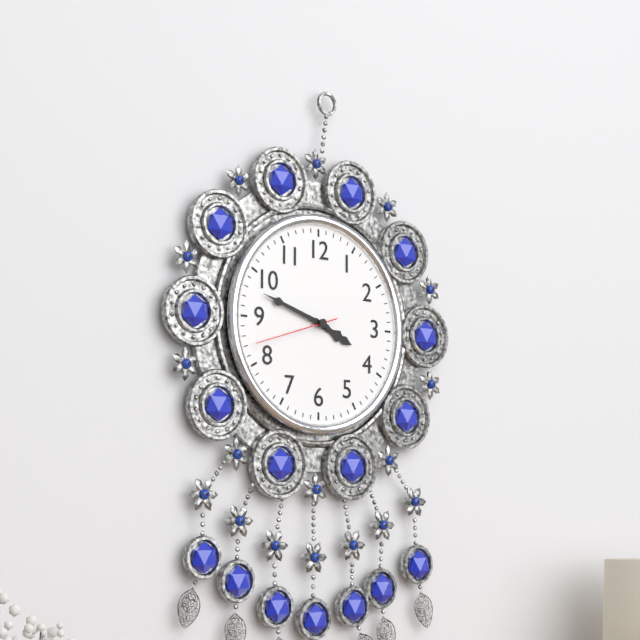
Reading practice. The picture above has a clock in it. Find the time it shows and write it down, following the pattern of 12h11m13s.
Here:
3h48m42s
